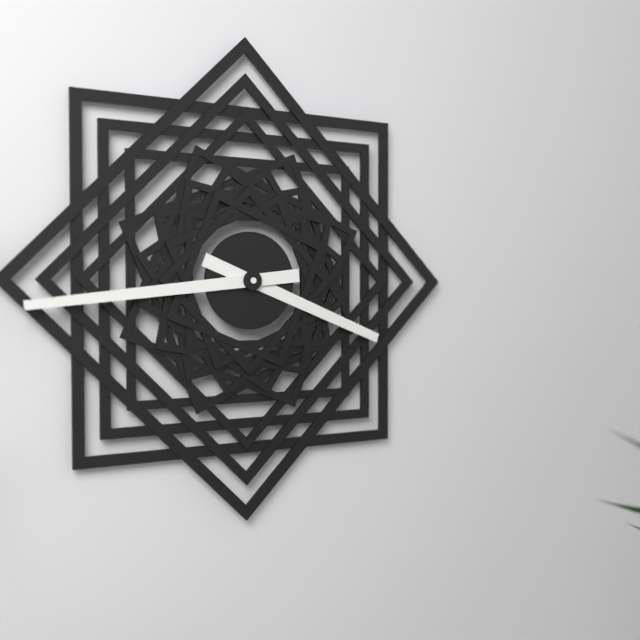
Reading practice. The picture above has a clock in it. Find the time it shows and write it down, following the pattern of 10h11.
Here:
3h44
